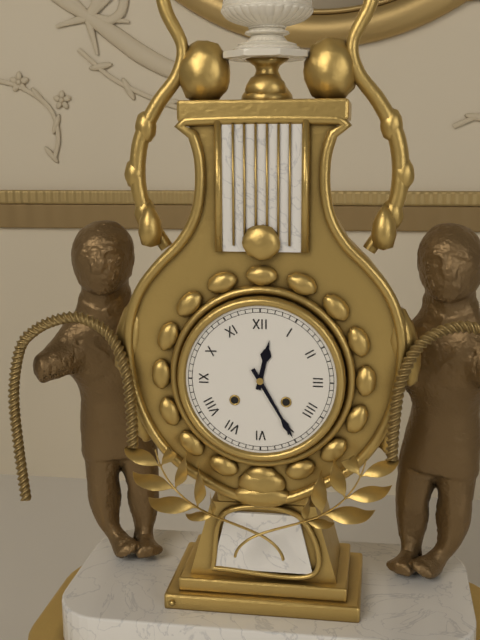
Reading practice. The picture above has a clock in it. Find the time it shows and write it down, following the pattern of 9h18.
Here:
12h25
